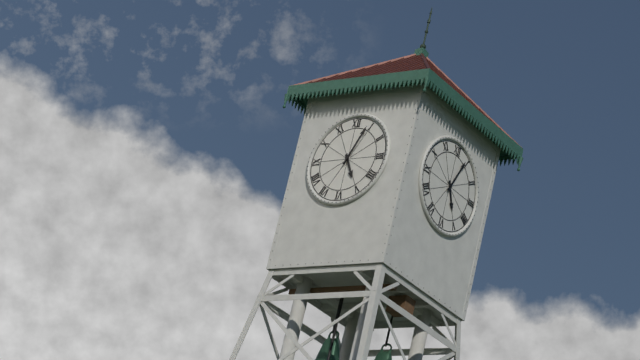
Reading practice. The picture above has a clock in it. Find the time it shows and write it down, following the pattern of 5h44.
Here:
5h04
